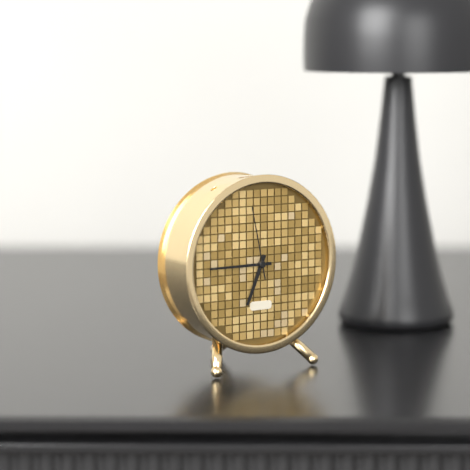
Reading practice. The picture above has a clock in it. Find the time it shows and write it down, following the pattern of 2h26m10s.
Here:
6h45m58s
